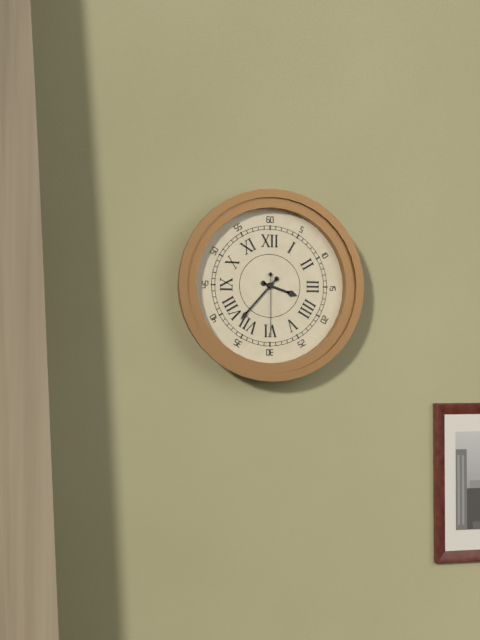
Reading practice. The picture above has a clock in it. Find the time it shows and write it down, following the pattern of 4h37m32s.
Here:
3h37m30s
